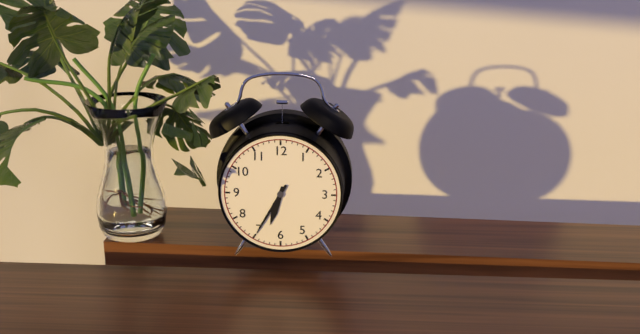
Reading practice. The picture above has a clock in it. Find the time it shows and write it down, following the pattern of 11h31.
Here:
6h35
